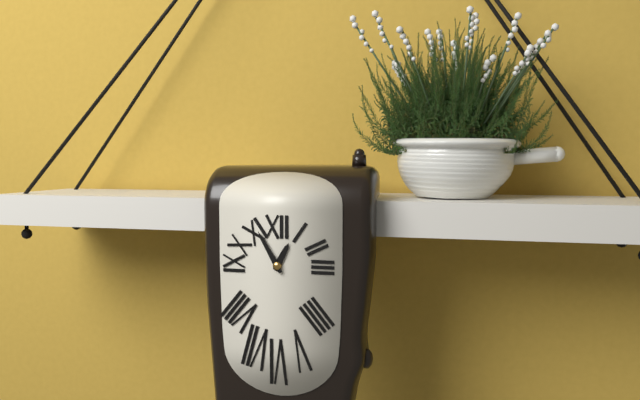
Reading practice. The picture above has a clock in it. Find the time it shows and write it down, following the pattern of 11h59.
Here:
12h55
